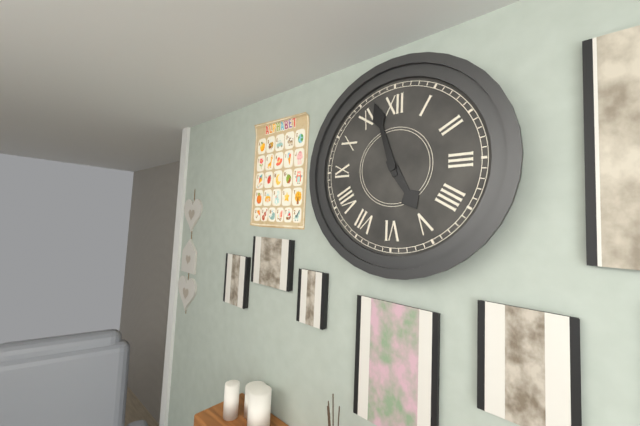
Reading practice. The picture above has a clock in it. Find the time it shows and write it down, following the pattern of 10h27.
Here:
4h57
